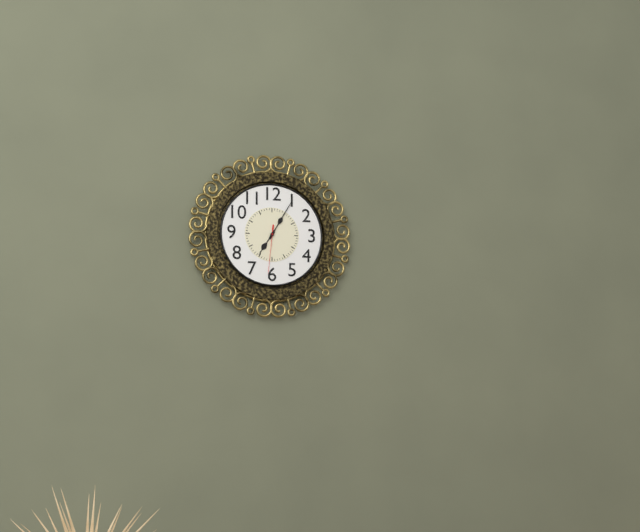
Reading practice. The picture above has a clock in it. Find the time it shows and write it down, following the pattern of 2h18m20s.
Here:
7h05m31s
